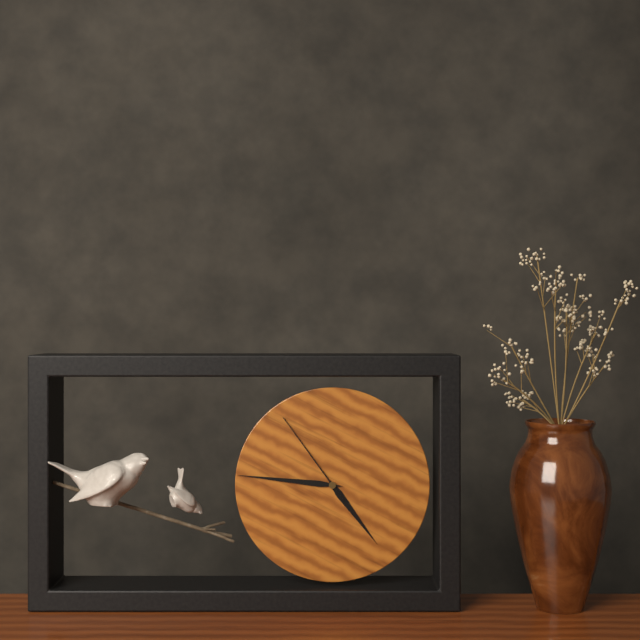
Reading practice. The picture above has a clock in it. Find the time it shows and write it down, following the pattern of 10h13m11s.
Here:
4h46m54s
